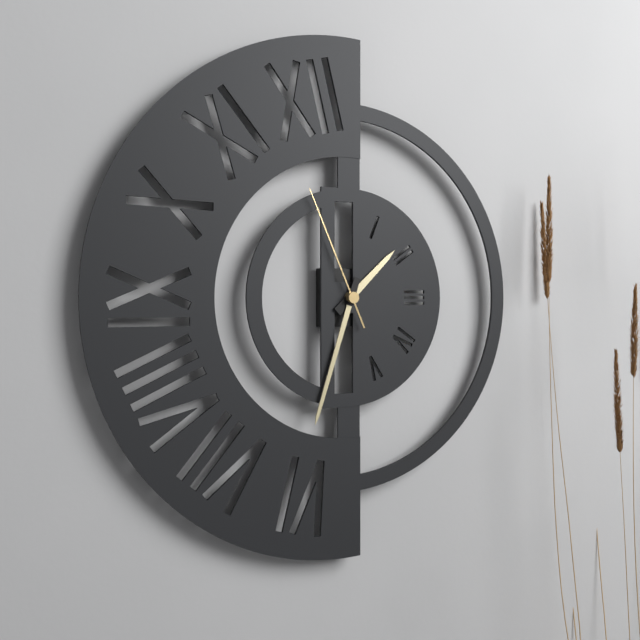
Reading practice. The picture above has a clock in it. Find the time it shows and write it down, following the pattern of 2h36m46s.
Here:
1h33m56s
